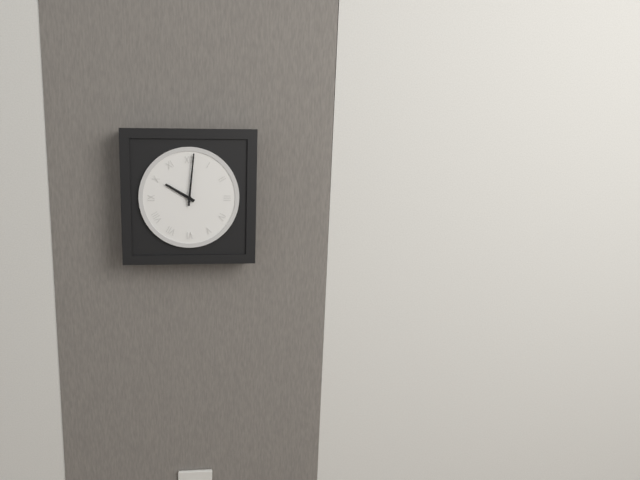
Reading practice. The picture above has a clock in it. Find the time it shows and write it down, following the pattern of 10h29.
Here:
10h01
